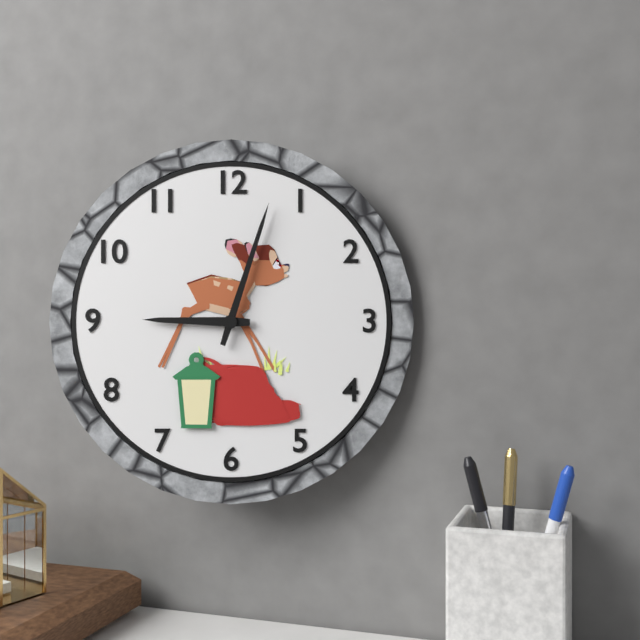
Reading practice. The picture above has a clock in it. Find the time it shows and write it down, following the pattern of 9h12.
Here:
9h03
